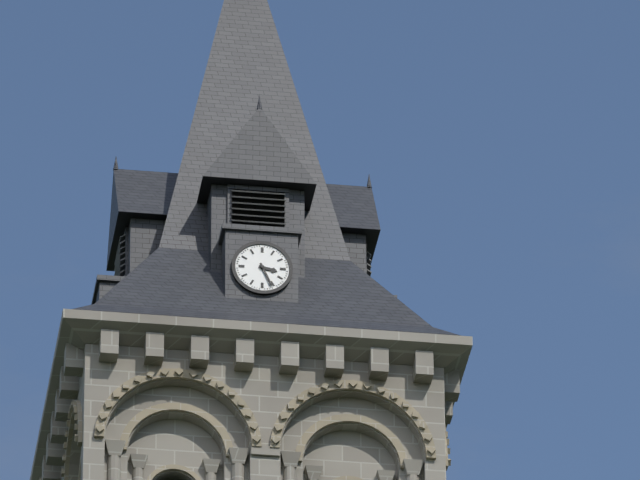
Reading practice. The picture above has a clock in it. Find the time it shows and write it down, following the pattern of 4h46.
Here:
3h26
